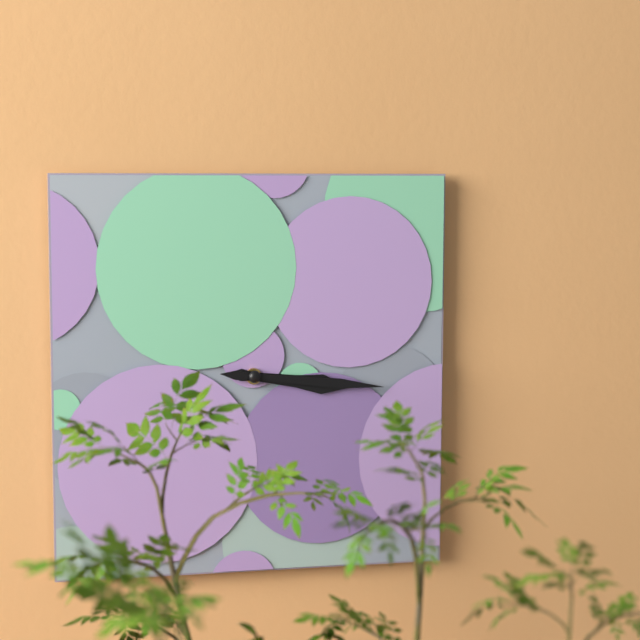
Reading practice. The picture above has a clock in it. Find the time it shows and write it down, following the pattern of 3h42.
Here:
3h16
